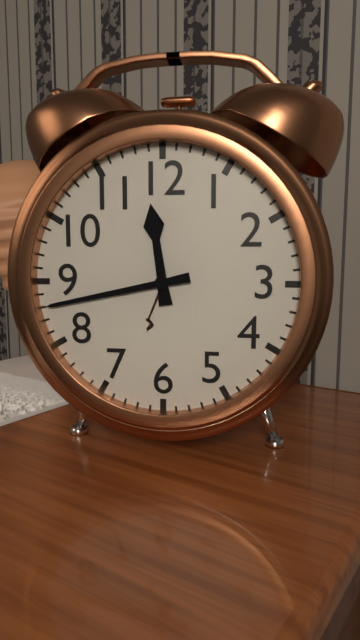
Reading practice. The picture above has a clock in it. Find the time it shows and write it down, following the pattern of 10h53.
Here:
11h43
